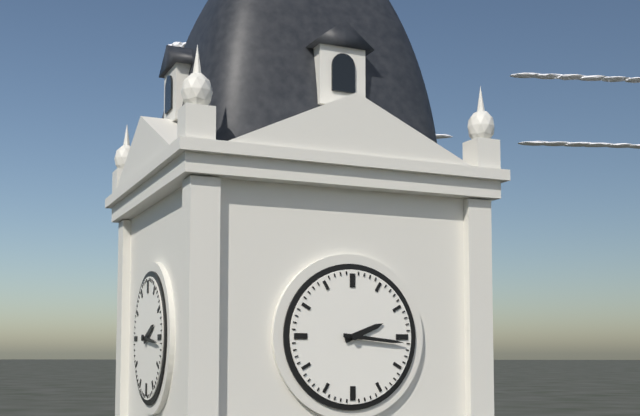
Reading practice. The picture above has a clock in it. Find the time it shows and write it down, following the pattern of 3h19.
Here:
2h16
